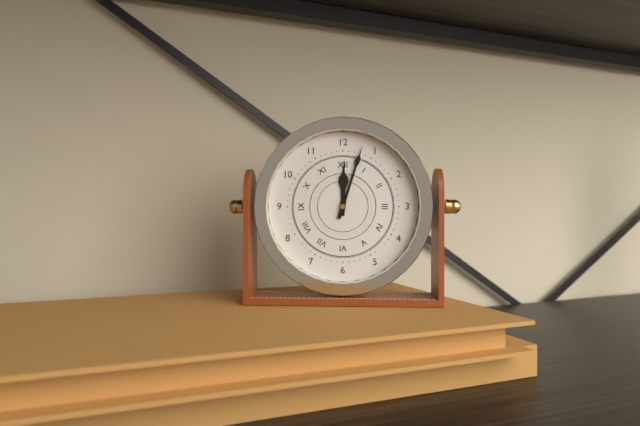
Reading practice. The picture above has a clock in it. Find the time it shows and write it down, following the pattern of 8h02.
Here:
12h03
